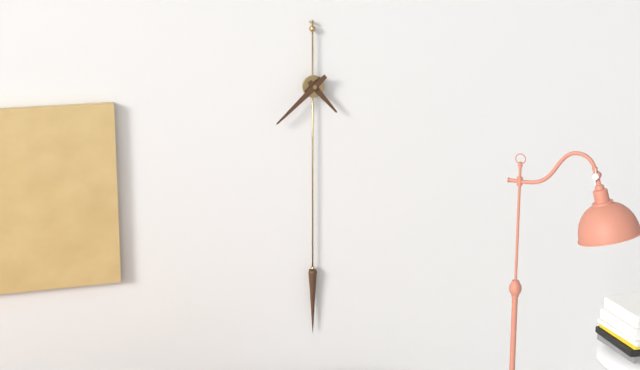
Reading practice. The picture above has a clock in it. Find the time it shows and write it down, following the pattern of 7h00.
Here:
4h38
